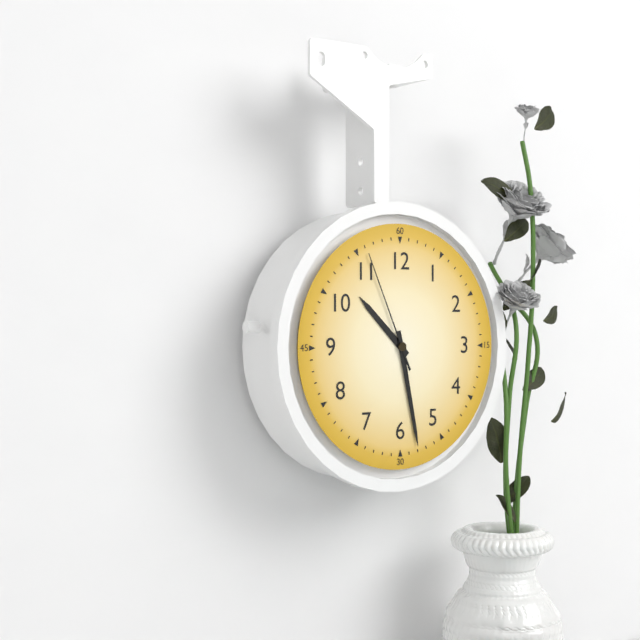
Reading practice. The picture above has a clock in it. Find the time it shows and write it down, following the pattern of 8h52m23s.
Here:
10h28m56s
